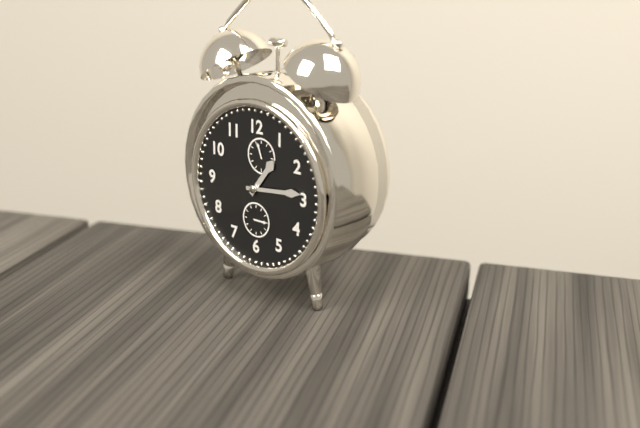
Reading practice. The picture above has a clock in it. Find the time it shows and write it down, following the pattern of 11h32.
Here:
1h14
